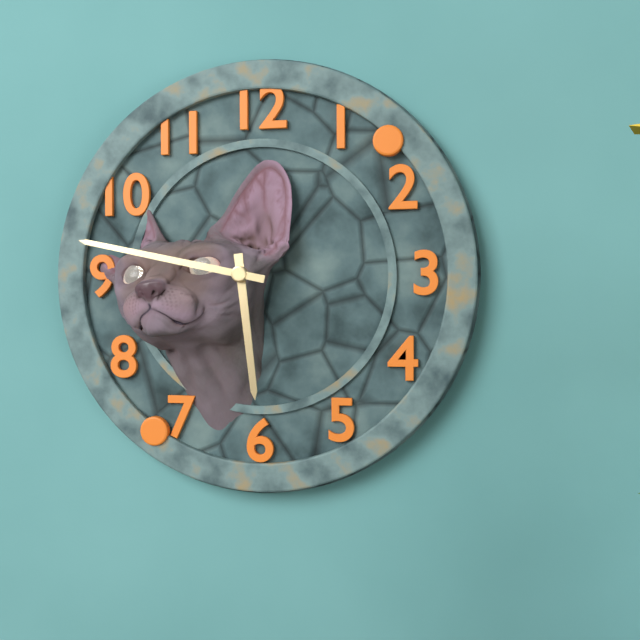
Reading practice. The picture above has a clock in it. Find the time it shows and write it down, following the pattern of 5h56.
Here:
5h47
